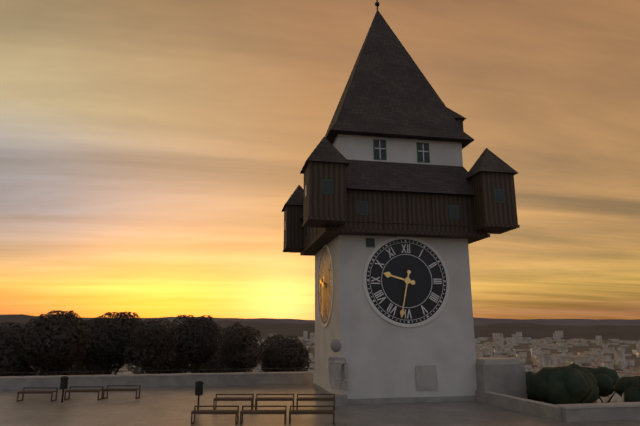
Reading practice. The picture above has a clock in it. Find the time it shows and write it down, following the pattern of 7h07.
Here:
9h32
